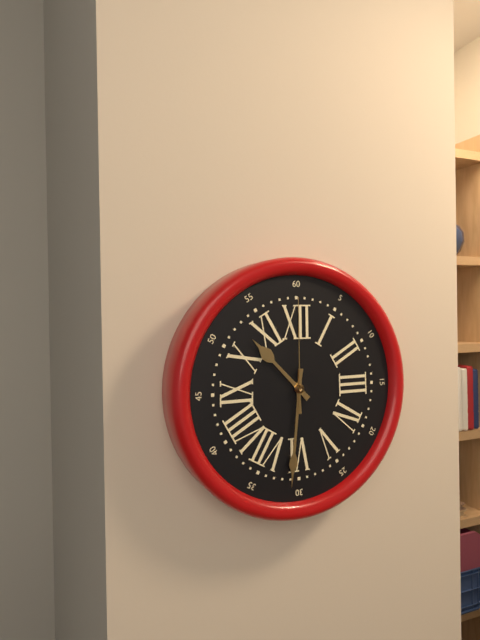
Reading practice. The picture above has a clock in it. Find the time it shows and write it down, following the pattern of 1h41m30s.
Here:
10h31m00s
